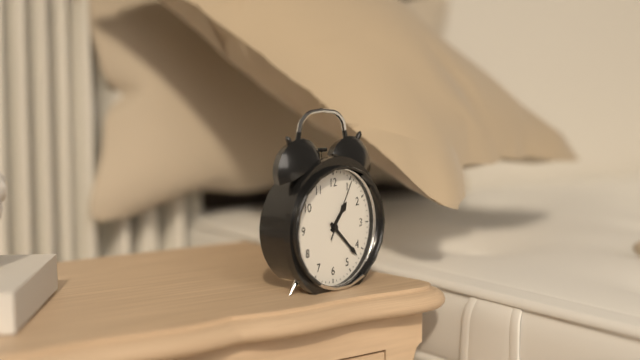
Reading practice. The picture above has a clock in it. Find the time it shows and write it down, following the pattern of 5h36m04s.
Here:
1h22m05s
